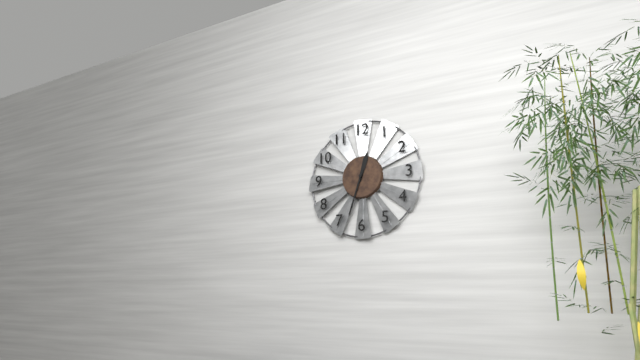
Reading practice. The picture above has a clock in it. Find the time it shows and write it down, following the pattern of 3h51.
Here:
12h33
